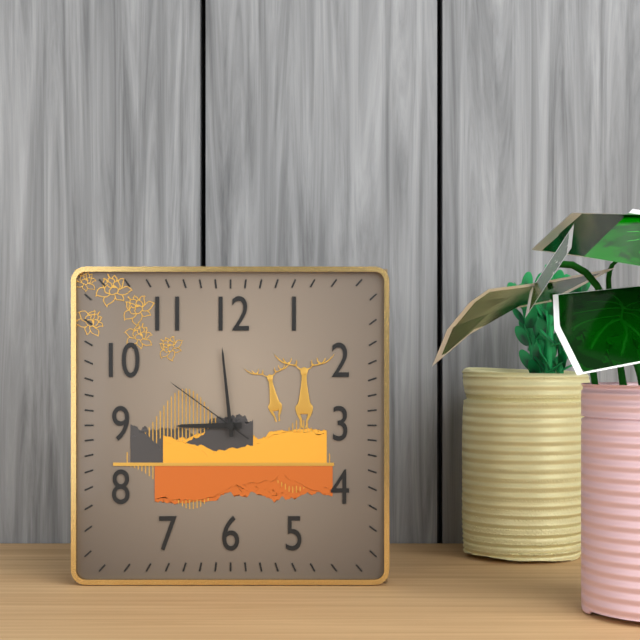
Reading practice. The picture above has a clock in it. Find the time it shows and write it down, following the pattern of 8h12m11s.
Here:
8h59m51s
